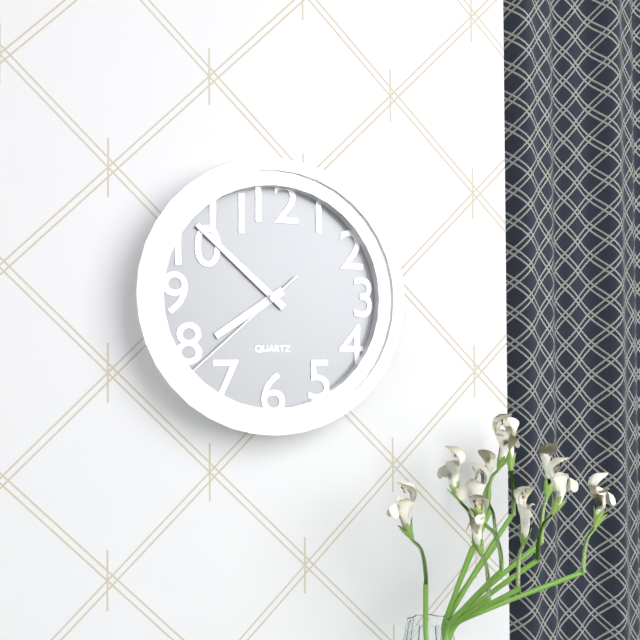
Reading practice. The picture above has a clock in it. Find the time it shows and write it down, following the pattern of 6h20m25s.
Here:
7h52m38s
